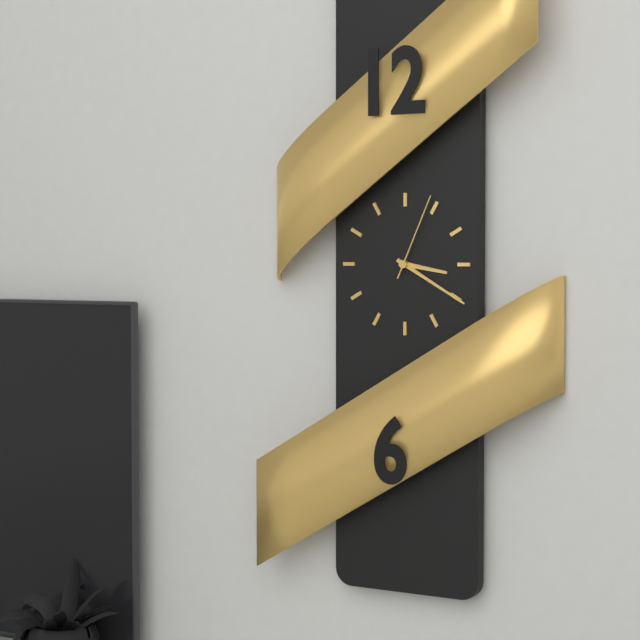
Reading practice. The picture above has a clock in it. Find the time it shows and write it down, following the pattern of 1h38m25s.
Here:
3h20m04s
